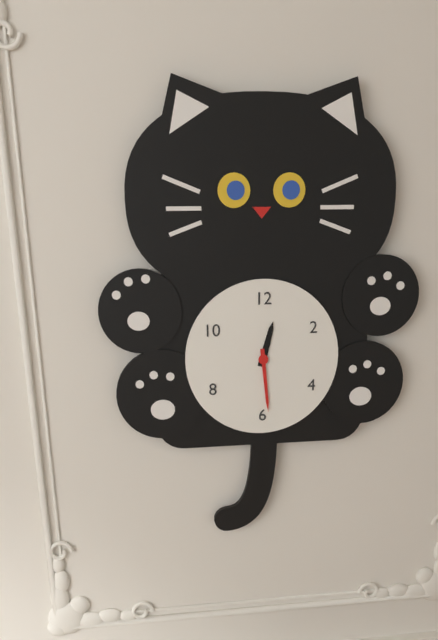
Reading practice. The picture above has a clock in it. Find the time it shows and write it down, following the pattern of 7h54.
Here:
12h29
